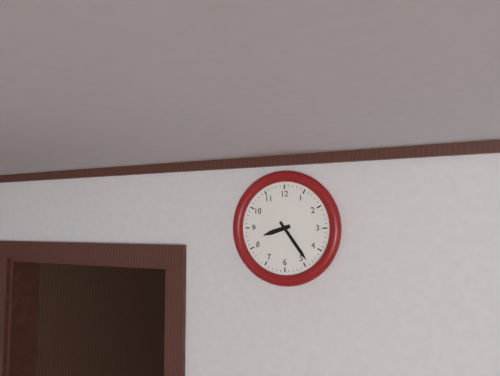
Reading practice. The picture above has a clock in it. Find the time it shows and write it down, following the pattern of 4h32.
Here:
8h24
